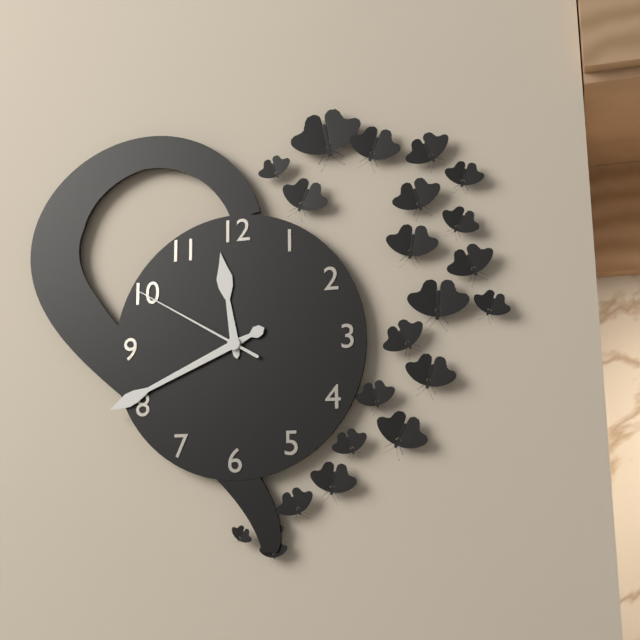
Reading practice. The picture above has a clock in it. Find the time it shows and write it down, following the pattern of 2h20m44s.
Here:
11h41m50s
